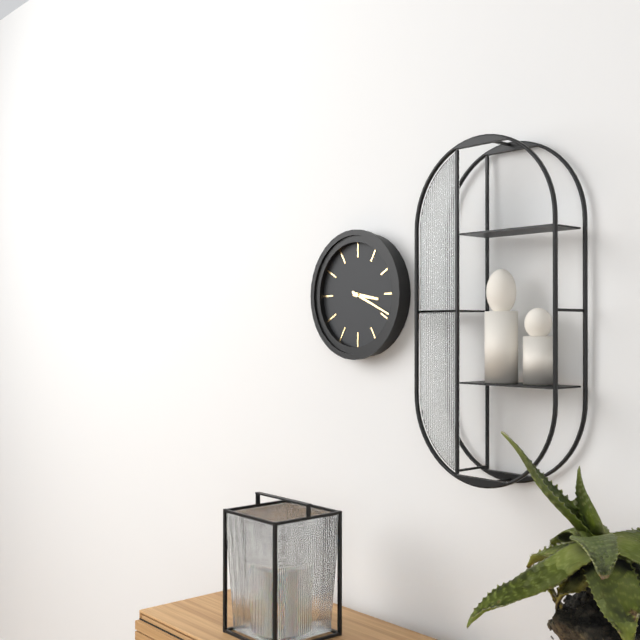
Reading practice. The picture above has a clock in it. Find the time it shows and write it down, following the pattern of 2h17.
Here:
3h19
